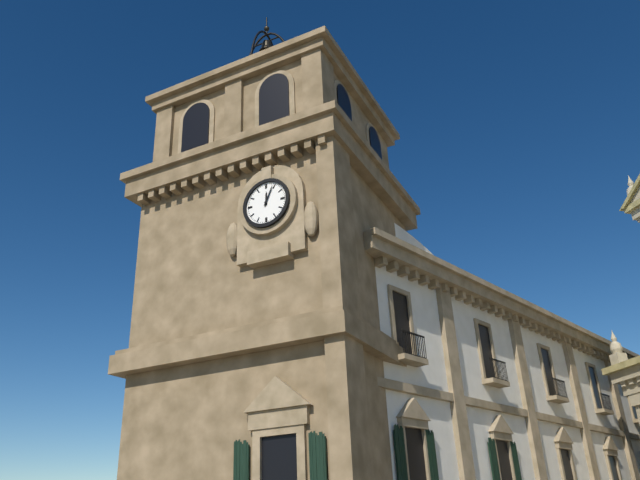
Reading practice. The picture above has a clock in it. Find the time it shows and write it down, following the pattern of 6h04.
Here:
12h04
